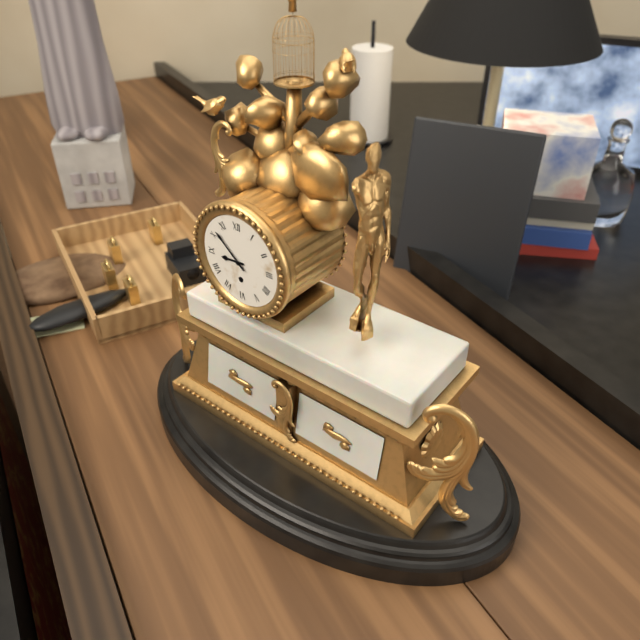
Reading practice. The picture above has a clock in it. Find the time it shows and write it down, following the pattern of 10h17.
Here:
8h52
